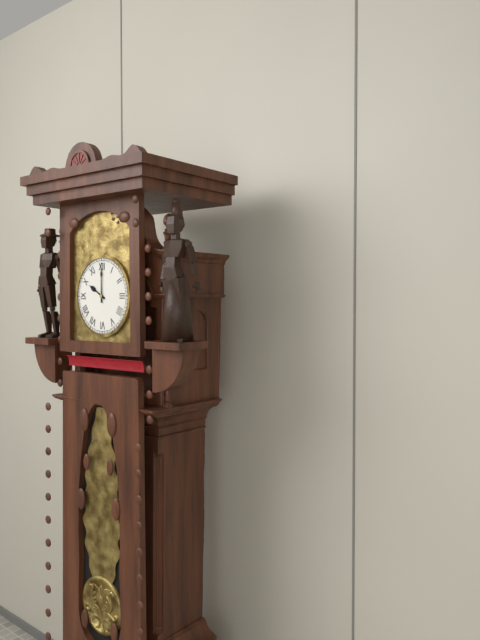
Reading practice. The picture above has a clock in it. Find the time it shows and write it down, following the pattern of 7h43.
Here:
10h00
